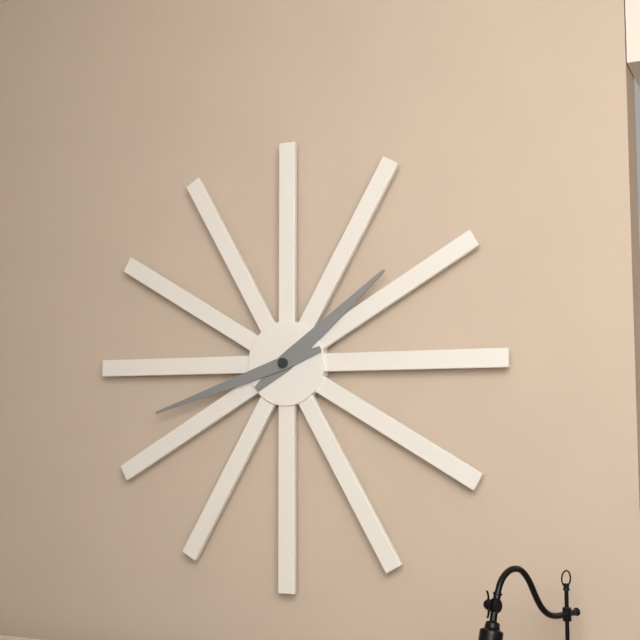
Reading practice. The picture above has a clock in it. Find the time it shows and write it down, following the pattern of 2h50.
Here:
1h42
